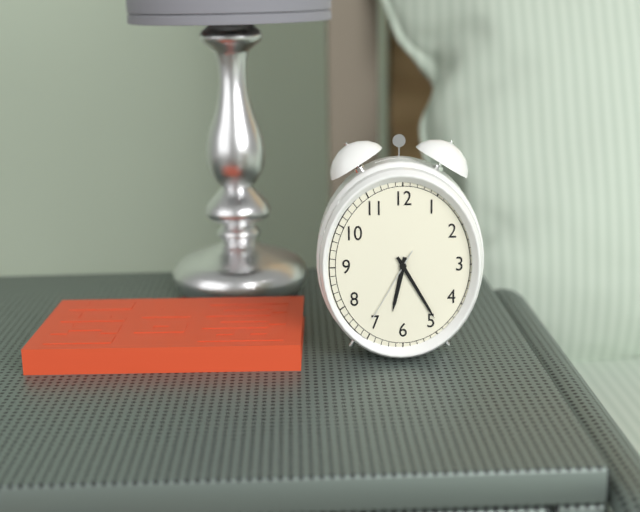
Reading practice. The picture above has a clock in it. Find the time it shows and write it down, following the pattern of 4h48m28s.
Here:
6h25m35s
